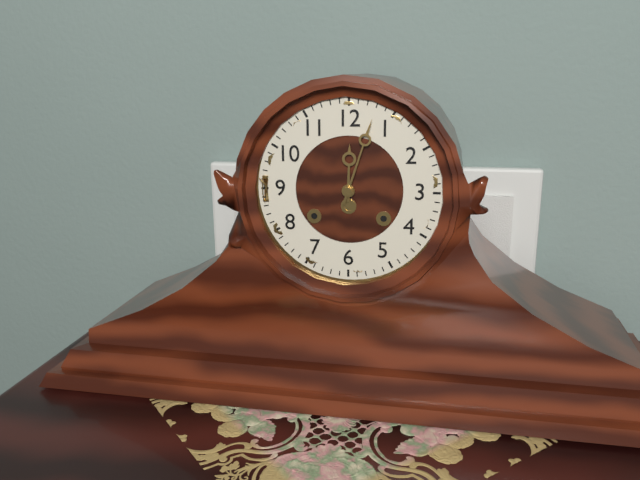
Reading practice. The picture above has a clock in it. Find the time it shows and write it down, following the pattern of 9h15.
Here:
12h03
